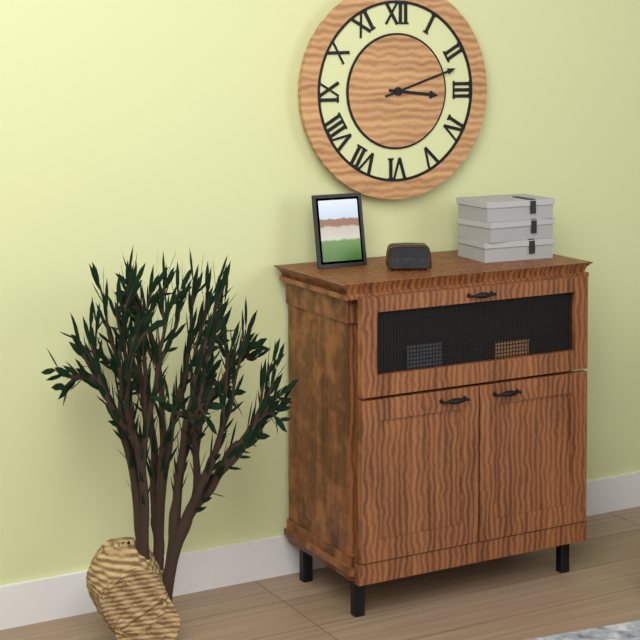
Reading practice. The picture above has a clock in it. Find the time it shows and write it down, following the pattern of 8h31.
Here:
3h12
